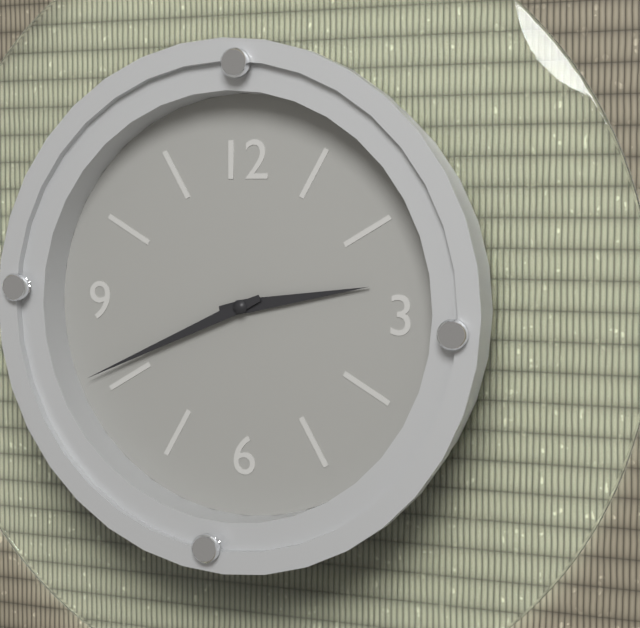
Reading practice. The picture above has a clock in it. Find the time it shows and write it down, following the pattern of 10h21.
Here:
2h41
